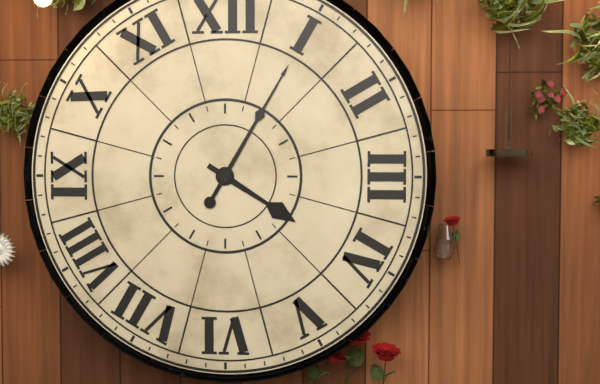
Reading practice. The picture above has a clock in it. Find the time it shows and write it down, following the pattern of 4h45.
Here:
4h05
